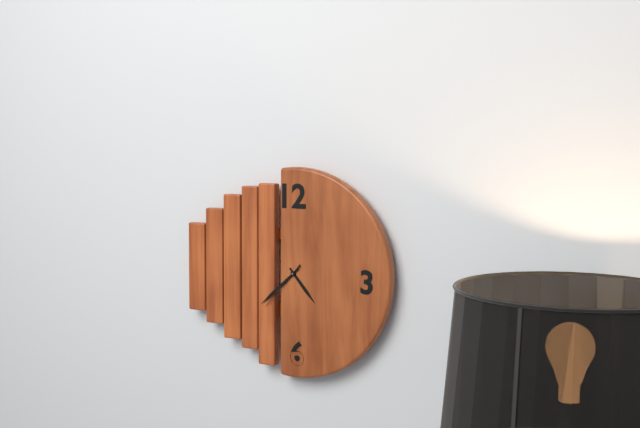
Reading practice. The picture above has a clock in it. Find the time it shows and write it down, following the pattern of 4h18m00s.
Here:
4h38m37s
